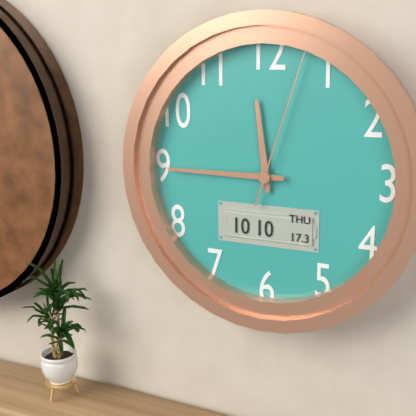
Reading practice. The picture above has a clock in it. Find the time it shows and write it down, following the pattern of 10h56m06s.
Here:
11h45m03s
